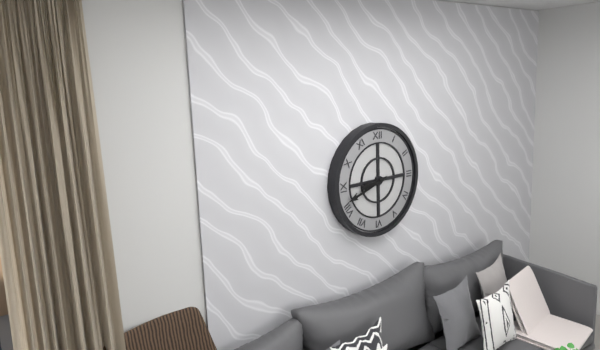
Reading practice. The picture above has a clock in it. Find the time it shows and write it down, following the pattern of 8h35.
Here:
8h42
